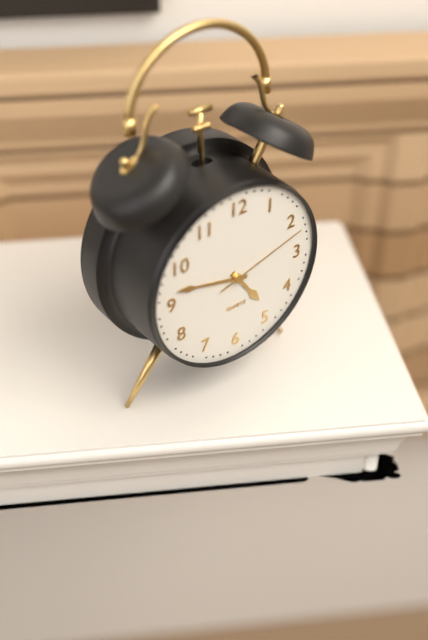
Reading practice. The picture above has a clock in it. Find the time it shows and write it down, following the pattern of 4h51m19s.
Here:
4h47m12s
